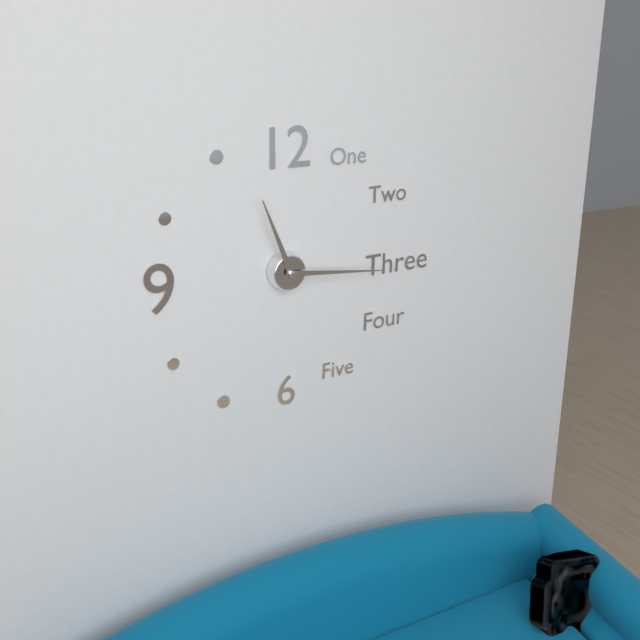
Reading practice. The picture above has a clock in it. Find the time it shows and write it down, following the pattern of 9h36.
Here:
11h16
